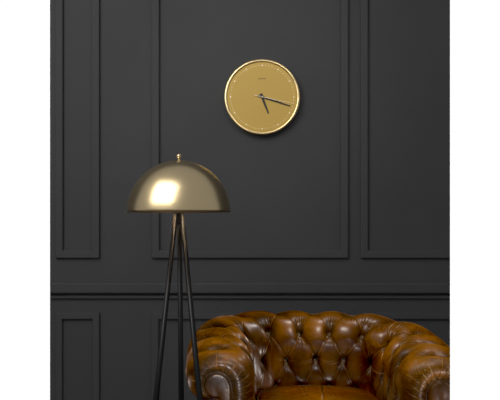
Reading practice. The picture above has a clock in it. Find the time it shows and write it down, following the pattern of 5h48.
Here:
5h18
